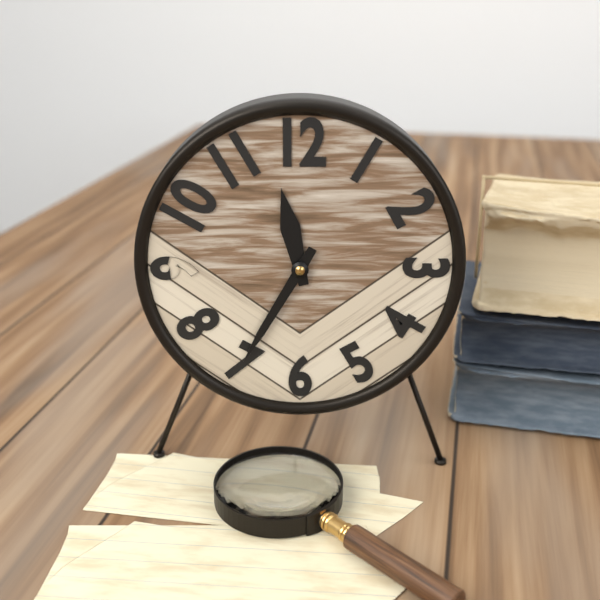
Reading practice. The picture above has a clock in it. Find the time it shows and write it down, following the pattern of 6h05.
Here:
11h35
